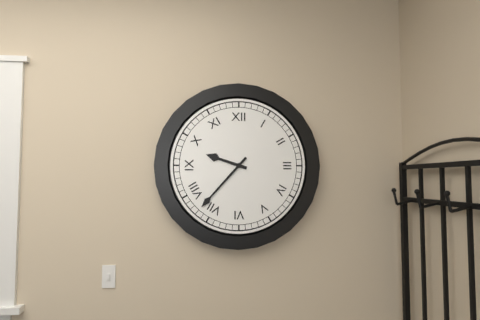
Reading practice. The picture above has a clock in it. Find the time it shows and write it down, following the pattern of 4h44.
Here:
9h37
